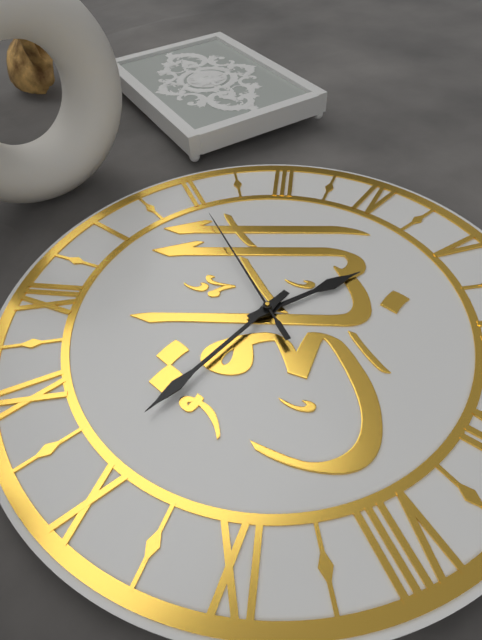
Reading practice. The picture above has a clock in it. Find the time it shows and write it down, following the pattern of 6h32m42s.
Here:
4h51m10s
